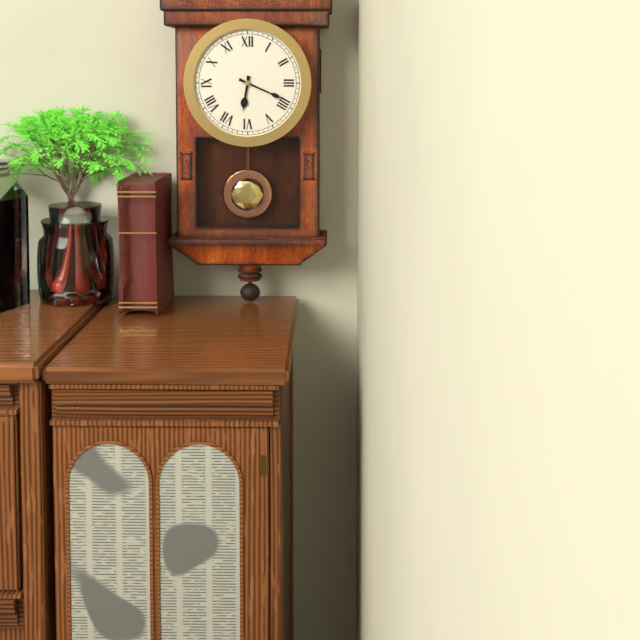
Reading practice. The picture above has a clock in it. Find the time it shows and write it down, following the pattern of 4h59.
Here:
6h19
